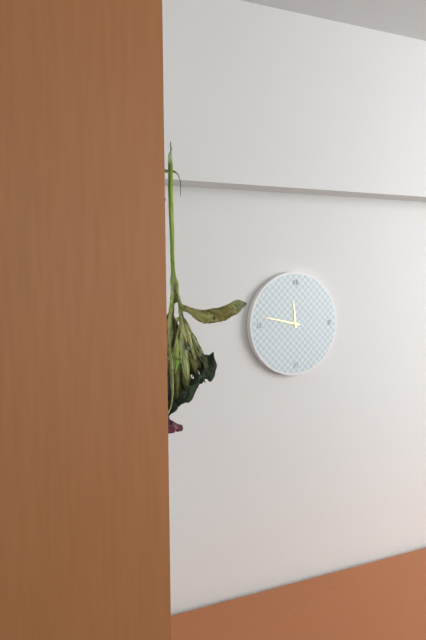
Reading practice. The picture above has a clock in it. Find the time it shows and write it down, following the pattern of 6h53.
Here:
11h47
